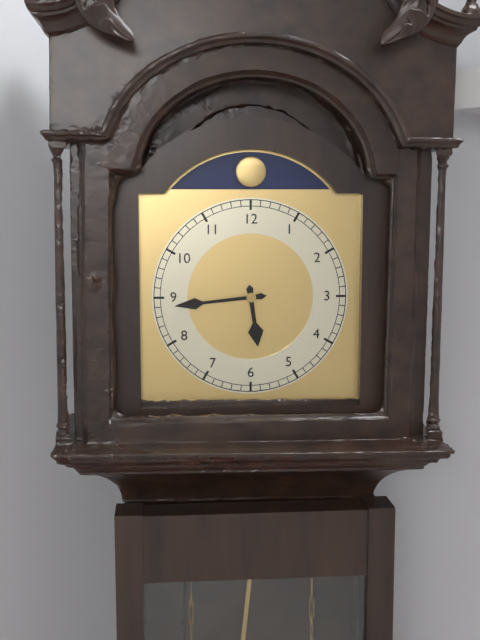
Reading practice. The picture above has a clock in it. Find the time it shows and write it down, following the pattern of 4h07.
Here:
5h44
